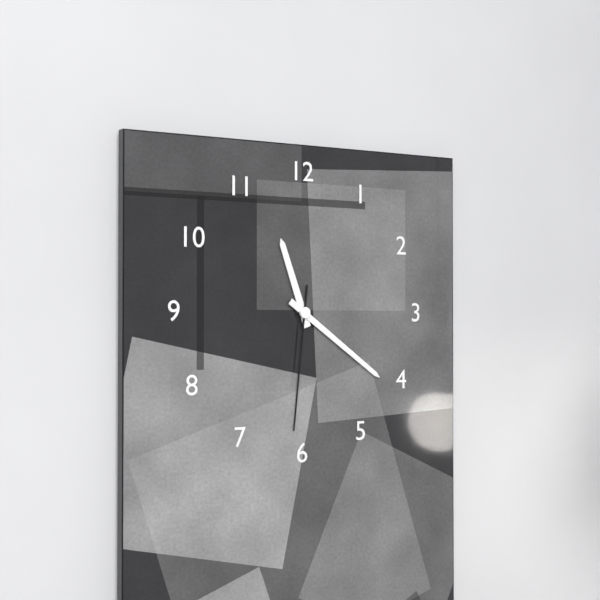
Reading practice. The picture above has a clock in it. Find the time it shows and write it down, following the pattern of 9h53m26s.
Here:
11h21m31s
